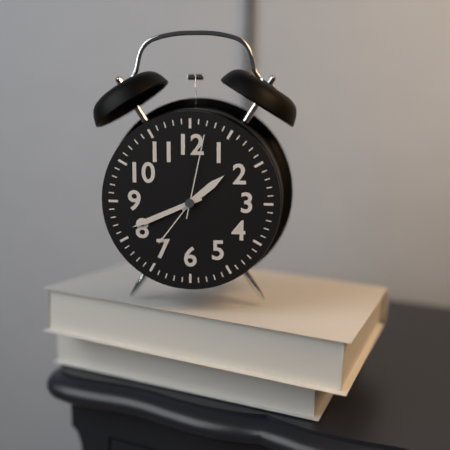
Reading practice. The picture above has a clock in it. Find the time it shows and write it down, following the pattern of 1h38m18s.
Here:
1h41m02s
